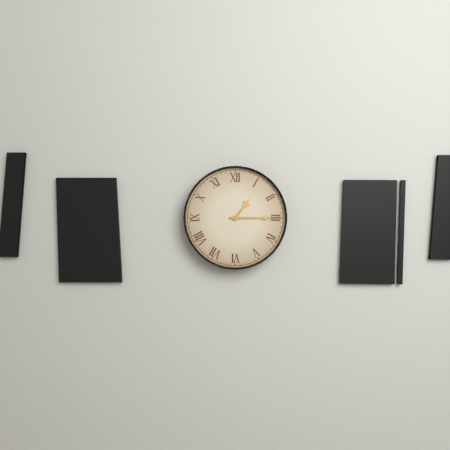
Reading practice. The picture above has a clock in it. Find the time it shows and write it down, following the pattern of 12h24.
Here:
1h15
